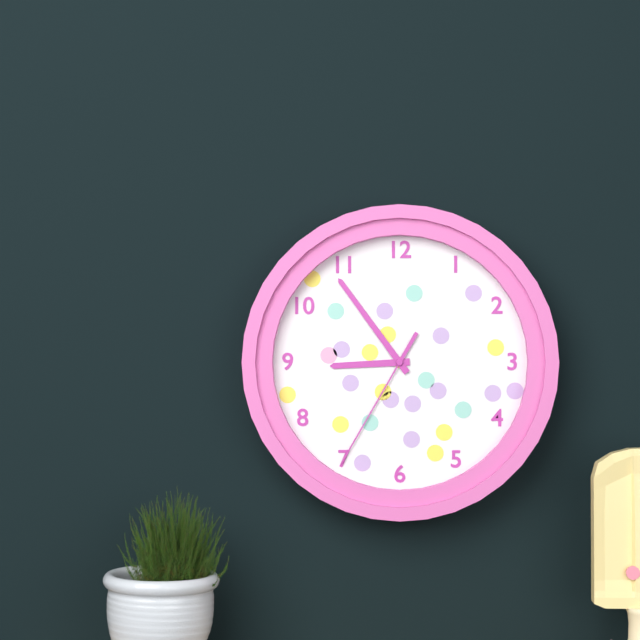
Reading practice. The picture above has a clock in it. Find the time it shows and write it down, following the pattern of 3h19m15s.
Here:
8h54m35s
